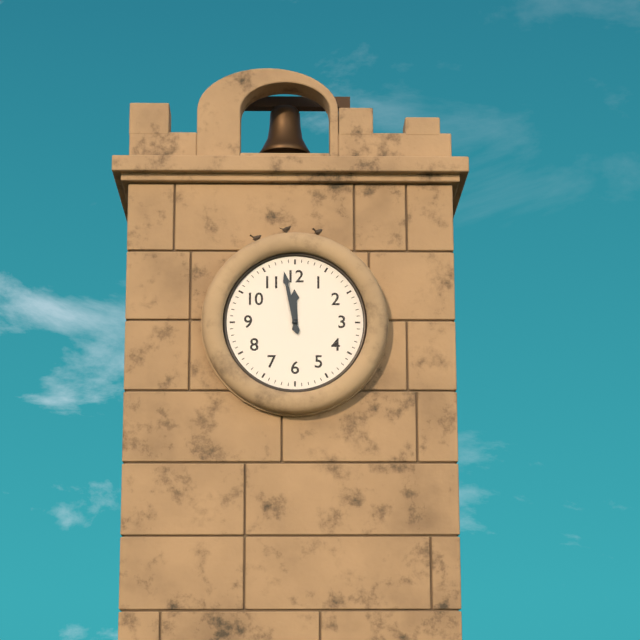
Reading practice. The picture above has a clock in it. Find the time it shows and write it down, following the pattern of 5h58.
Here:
11h58
